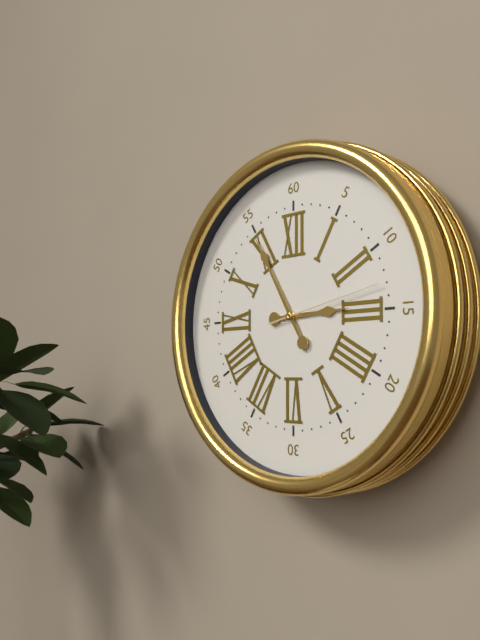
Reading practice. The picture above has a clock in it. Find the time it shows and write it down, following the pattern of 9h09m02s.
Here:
2h55m13s
